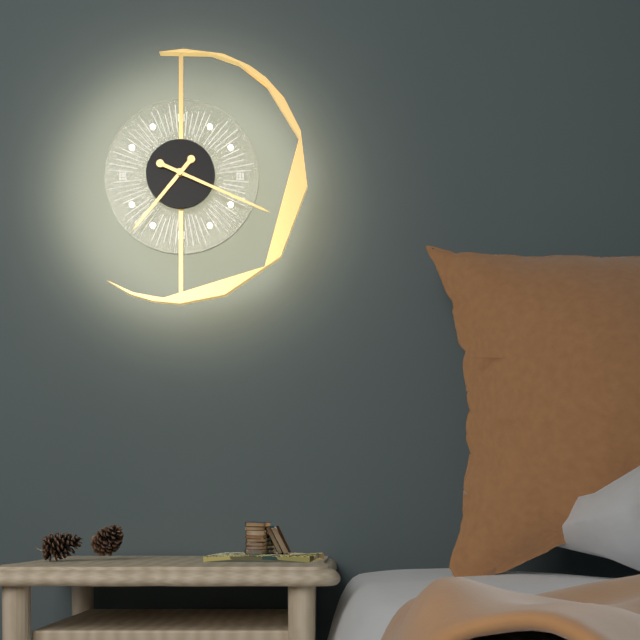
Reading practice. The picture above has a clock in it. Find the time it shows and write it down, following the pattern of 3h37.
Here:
7h19
